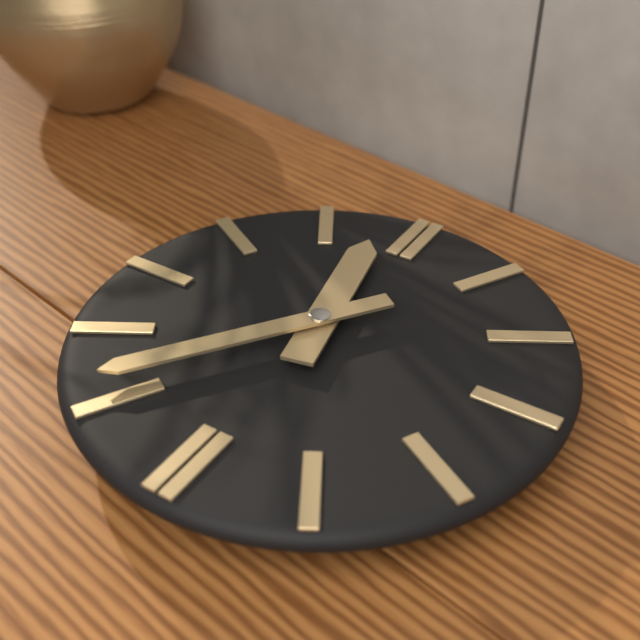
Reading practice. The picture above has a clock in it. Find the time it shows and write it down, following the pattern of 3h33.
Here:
11h36
